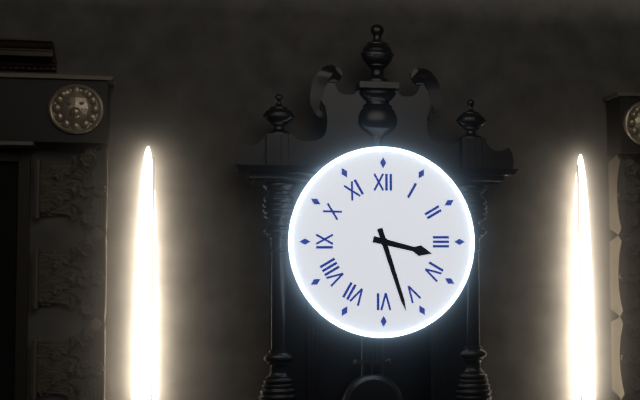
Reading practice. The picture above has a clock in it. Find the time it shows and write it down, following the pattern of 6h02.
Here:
3h27
